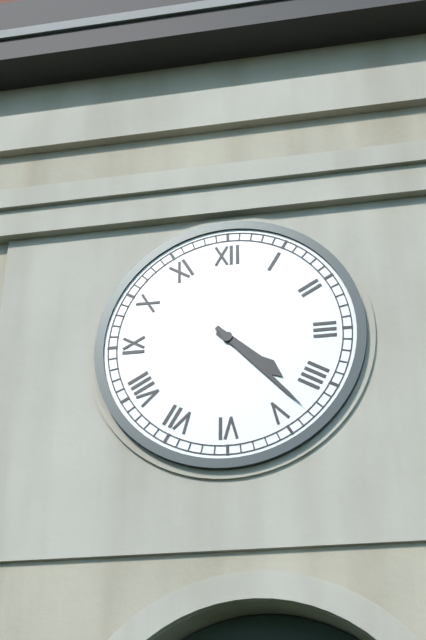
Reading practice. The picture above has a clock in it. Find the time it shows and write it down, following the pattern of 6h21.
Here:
4h23
